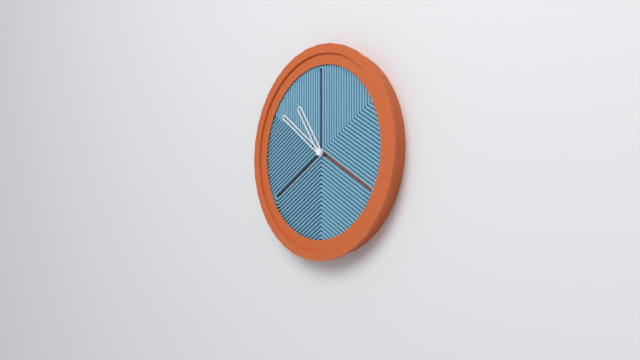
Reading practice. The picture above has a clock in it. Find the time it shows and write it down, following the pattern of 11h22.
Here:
10h51
